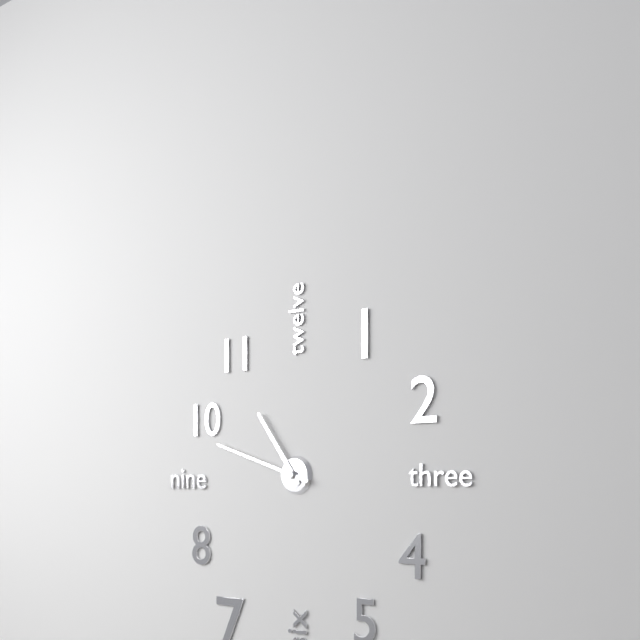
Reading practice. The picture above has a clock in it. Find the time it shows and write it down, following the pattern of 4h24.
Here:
10h48
